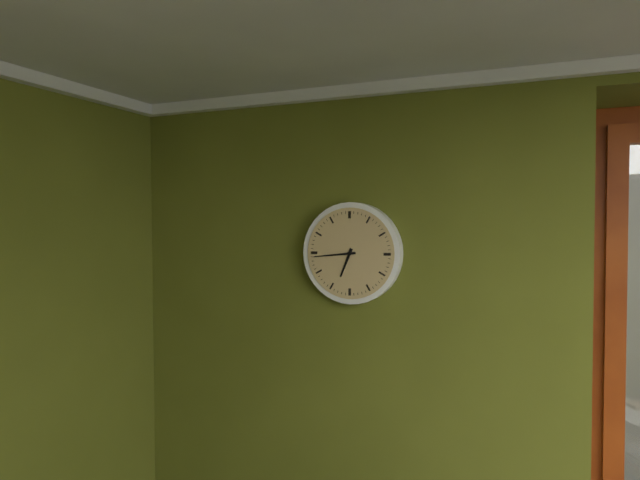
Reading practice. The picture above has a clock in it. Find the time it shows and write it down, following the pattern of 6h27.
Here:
6h44
